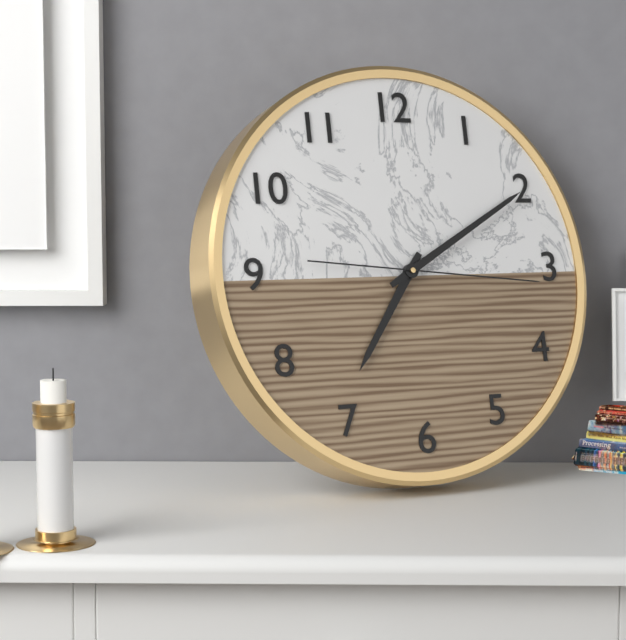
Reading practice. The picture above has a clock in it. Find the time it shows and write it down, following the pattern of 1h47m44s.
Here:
7h10m16s
